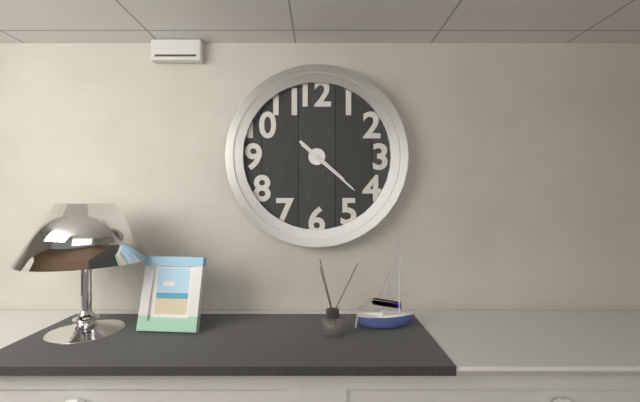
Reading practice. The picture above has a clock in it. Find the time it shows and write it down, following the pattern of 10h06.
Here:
4h22
